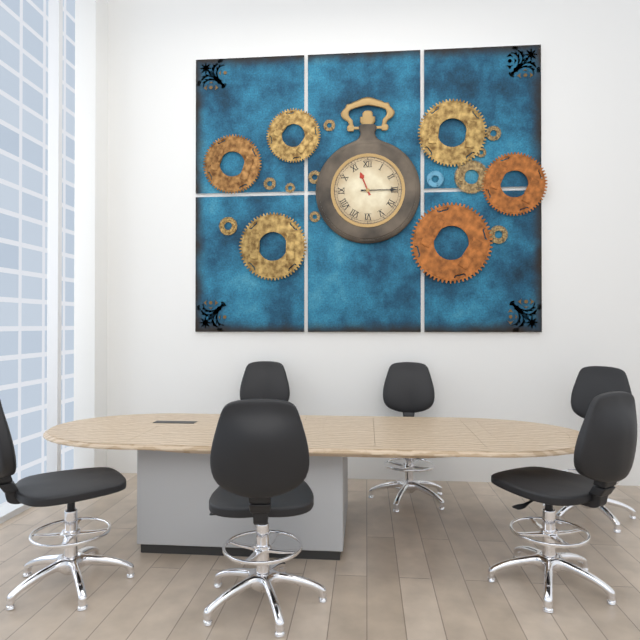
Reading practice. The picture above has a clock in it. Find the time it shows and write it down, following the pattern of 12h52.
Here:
11h15
